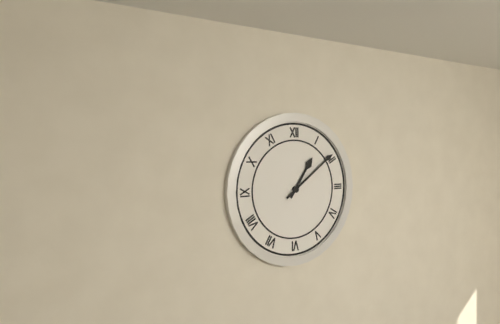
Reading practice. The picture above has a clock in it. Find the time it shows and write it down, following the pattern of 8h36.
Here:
1h09
